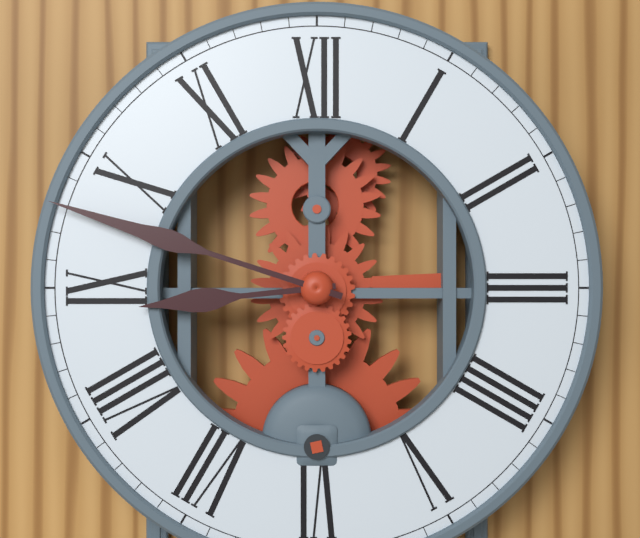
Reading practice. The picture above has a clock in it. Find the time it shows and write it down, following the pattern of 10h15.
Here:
8h48
